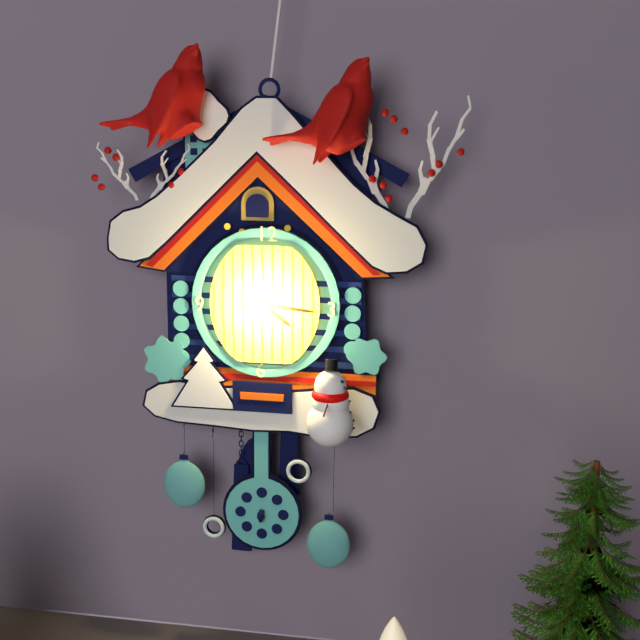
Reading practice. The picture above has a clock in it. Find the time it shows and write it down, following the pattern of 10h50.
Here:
4h16
